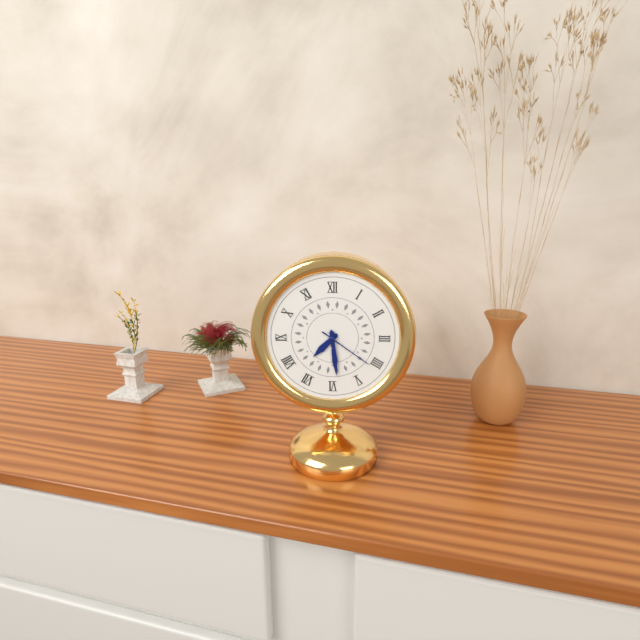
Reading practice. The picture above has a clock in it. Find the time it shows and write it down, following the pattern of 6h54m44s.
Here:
7h29m21s
